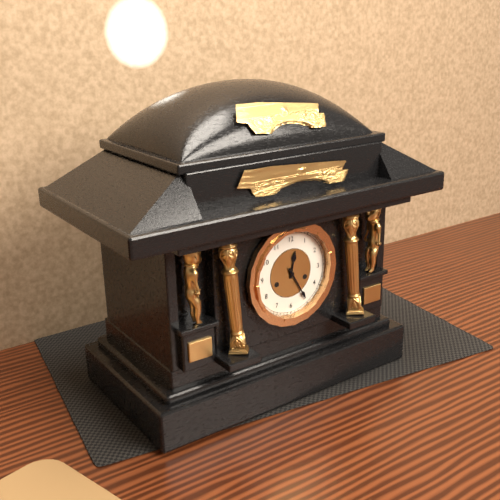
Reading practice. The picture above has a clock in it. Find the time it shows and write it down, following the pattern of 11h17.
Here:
12h25
